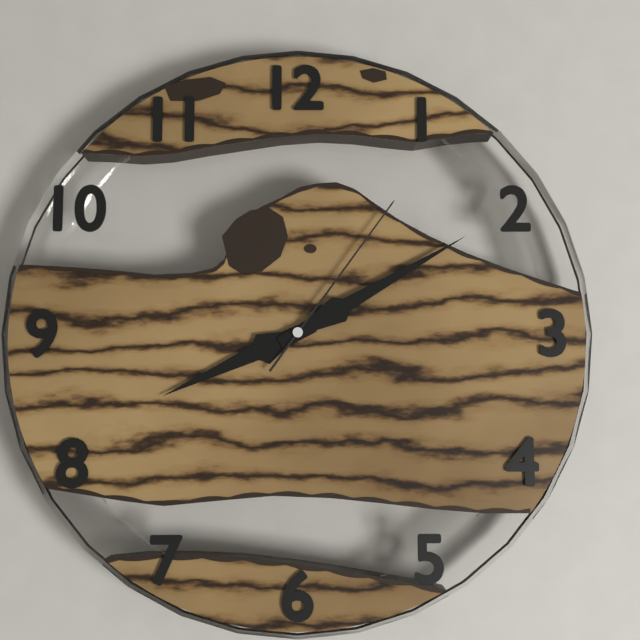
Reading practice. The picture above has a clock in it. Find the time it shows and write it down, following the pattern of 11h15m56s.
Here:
8h10m06s
